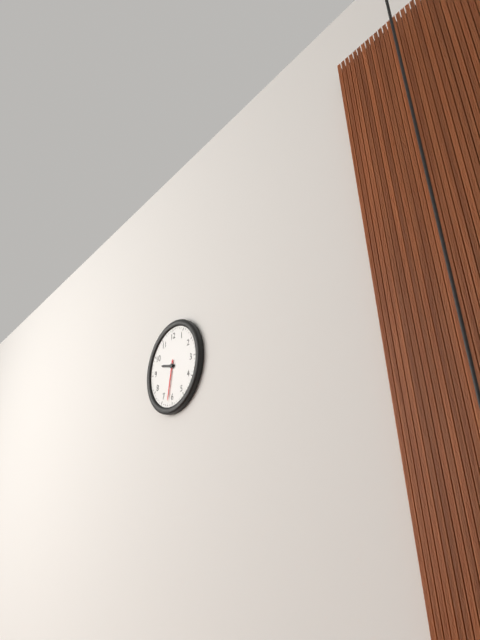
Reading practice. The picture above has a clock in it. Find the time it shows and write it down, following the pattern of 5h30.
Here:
9h32
